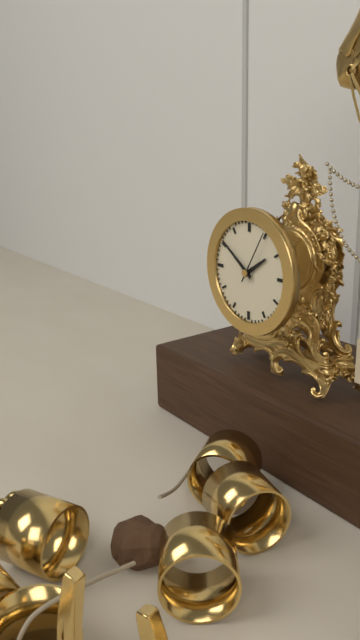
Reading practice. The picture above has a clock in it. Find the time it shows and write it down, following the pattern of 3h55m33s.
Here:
1h51m05s
